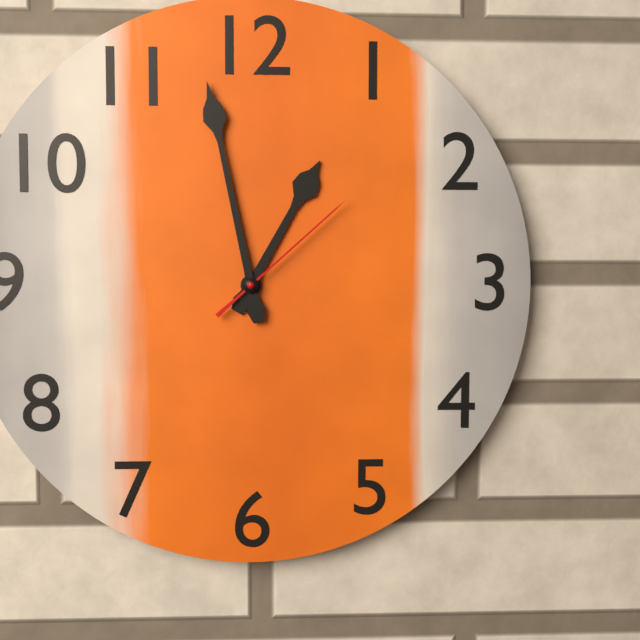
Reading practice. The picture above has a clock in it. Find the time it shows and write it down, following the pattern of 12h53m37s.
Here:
12h58m08s
